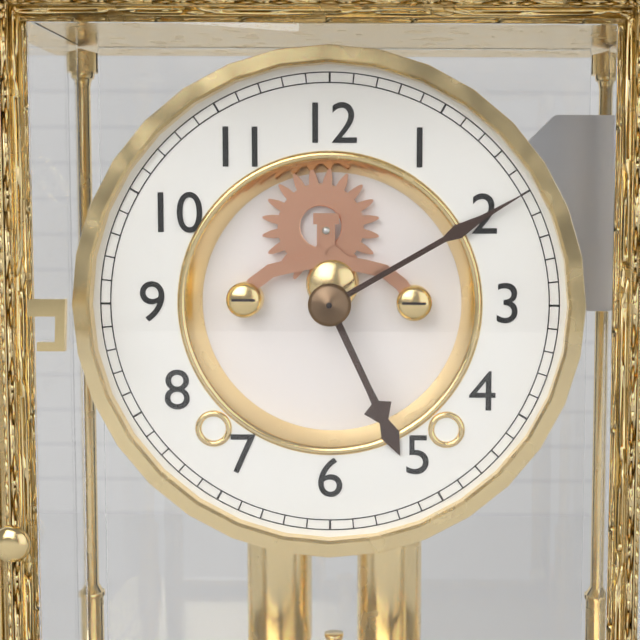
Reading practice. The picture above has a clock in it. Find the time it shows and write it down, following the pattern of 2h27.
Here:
5h10
